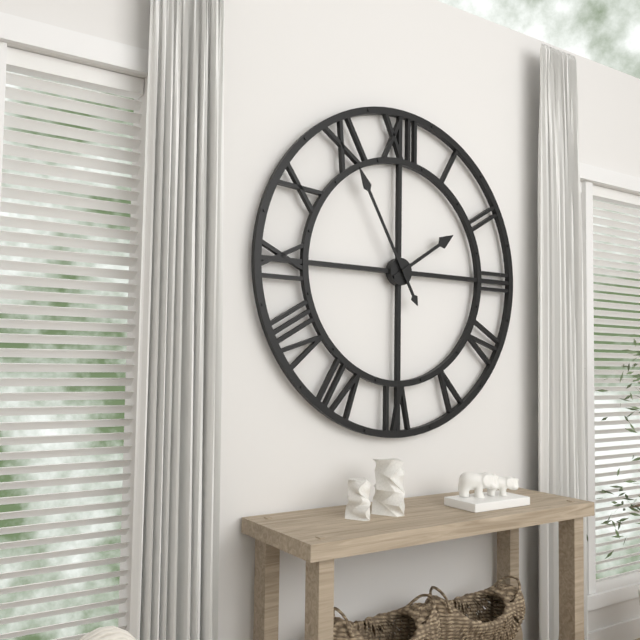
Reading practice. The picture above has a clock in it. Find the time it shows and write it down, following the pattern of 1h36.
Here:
1h55
